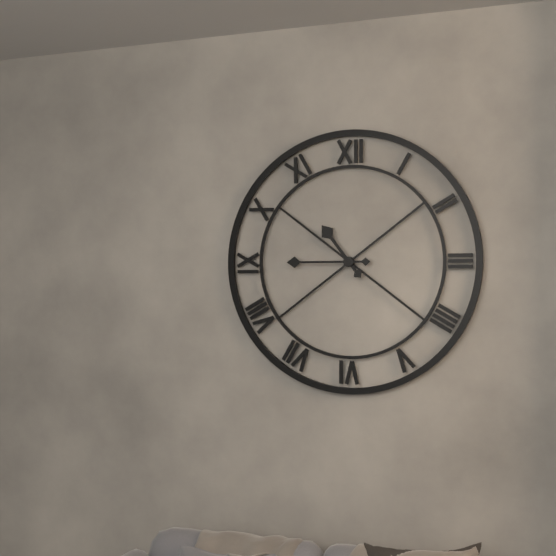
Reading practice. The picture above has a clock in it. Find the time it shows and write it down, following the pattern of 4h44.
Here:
10h45
